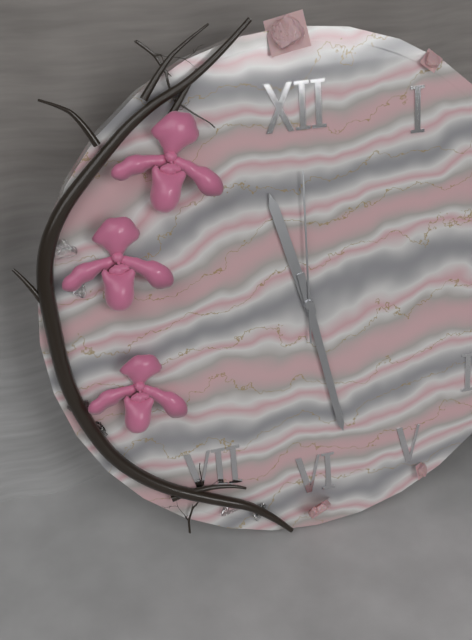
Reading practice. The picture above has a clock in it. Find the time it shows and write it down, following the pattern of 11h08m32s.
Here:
11h28m00s
